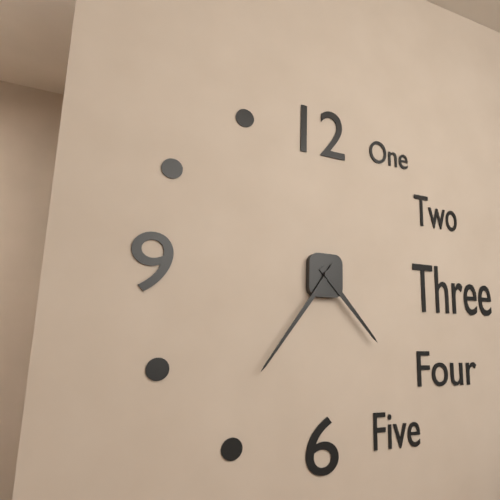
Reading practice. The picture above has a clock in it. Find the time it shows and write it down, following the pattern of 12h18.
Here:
4h36
